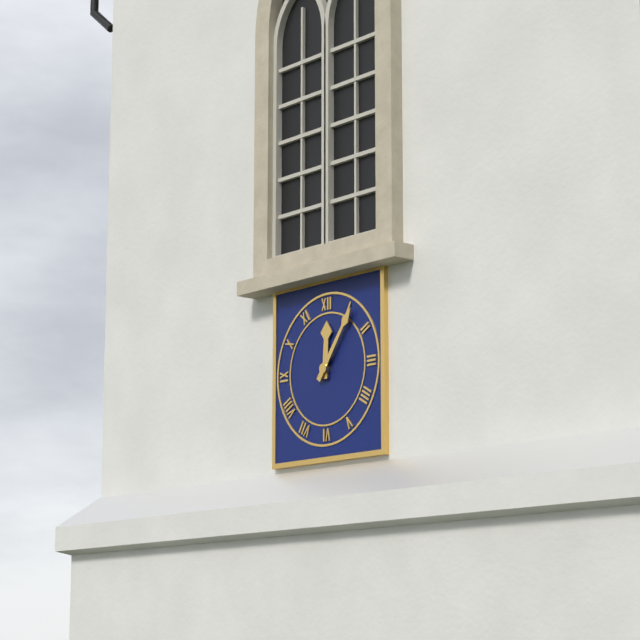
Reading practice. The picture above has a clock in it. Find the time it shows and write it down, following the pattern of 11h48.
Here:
12h06
